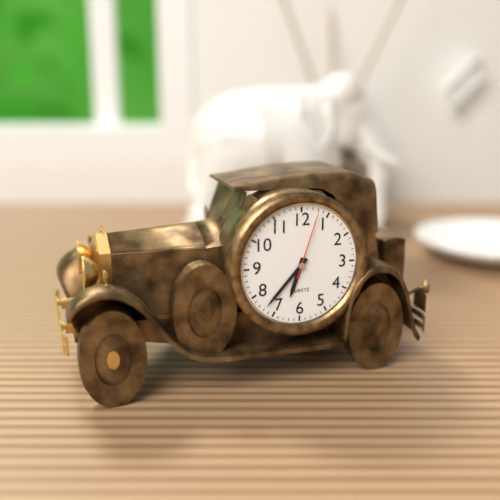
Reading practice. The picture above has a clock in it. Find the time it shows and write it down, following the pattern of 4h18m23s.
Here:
6h37m03s
